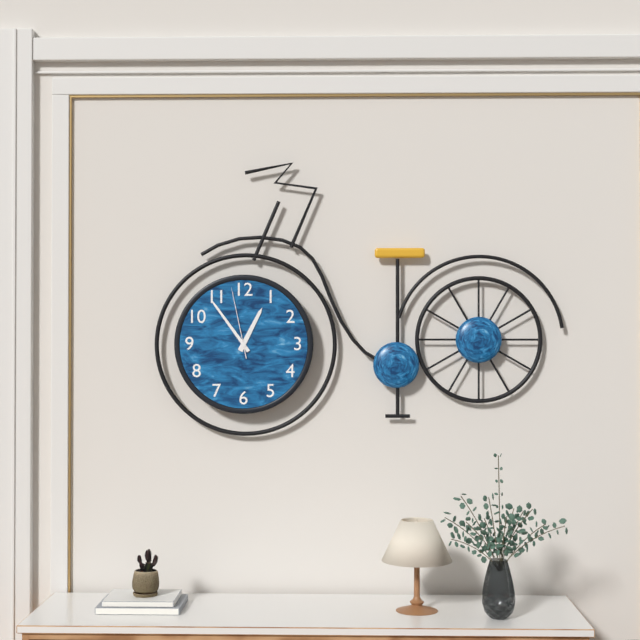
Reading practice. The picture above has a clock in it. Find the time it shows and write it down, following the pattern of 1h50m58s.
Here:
12h54m58s
